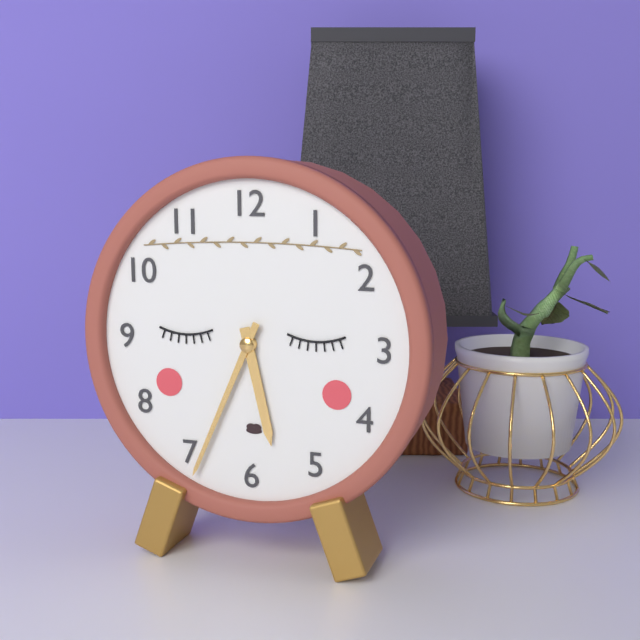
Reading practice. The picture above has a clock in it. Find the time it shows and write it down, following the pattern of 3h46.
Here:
5h34
